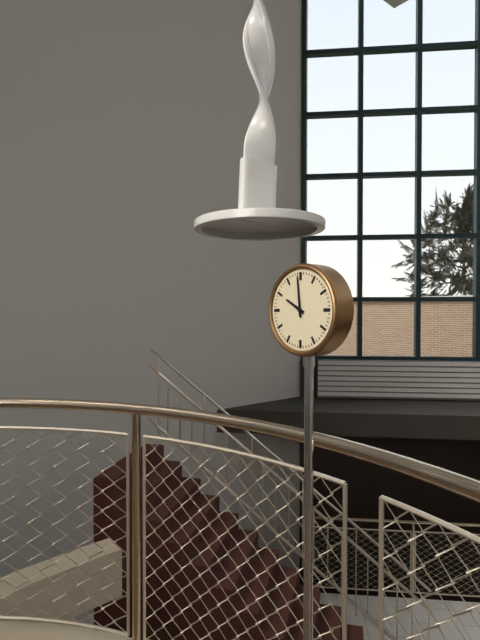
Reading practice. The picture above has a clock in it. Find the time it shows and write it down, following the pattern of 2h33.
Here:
9h59
